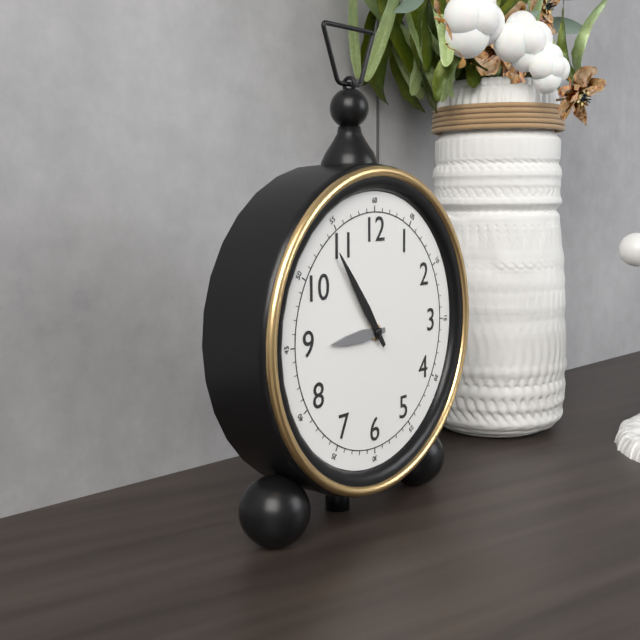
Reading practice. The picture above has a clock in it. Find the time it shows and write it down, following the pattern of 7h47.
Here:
8h54
